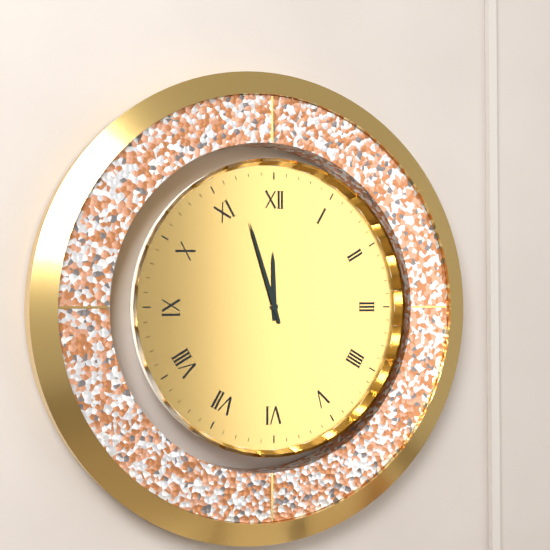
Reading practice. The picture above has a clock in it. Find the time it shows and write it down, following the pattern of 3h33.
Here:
11h57
